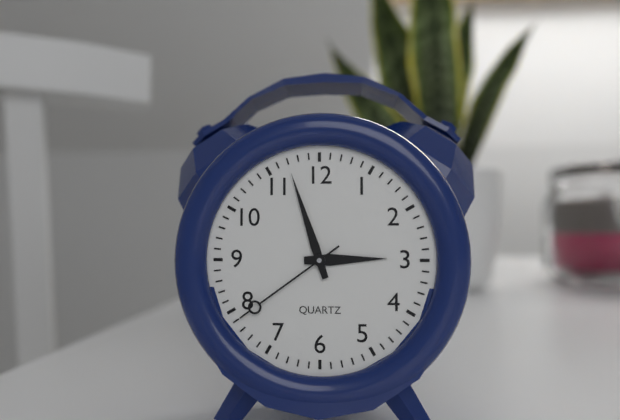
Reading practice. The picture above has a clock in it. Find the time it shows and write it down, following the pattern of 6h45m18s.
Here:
2h57m39s
